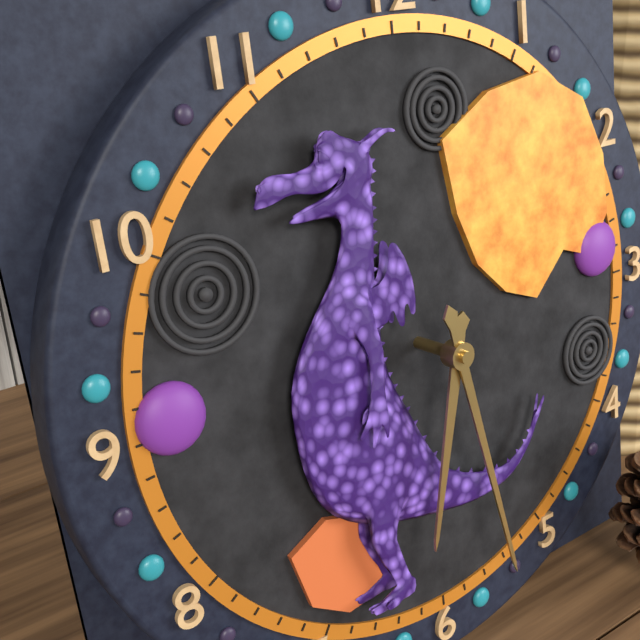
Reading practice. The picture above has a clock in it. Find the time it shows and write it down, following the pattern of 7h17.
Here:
6h28
